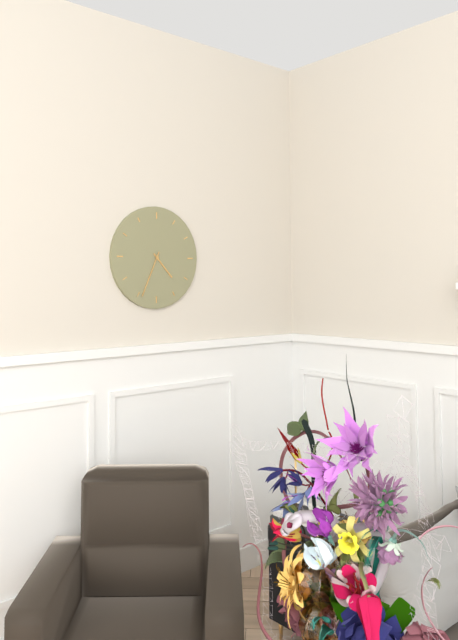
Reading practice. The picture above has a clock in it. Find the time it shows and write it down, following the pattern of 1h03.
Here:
4h34
